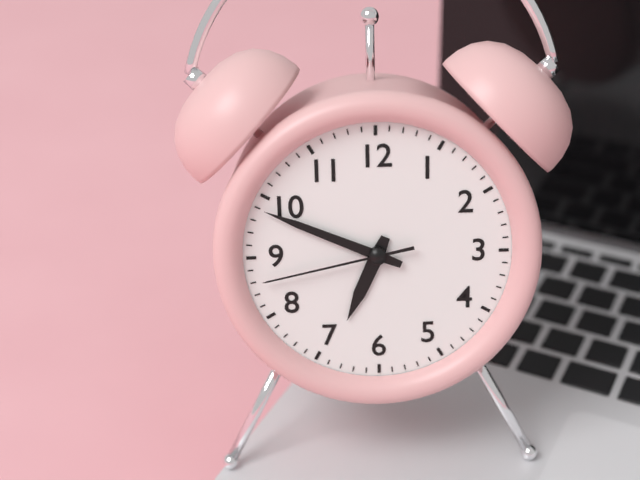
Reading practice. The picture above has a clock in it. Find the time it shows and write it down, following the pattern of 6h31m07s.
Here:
6h49m43s
